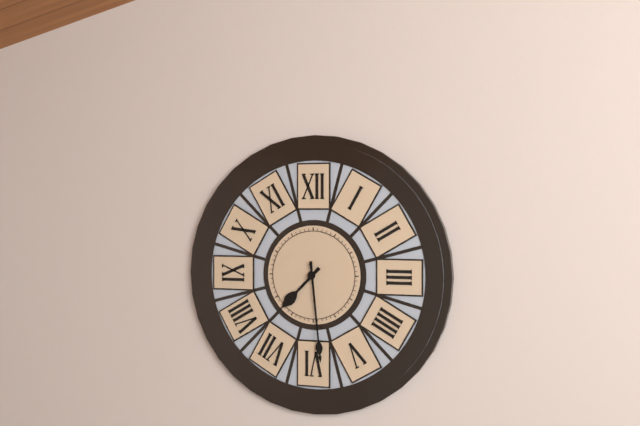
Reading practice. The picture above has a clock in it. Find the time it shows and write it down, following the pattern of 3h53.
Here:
7h29
